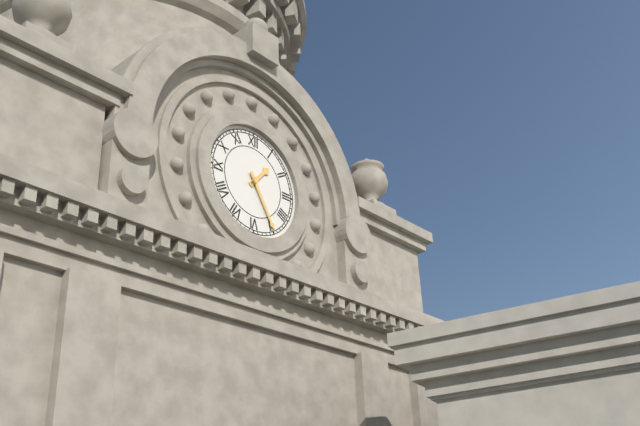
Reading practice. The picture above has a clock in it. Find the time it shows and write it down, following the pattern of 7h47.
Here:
1h25
